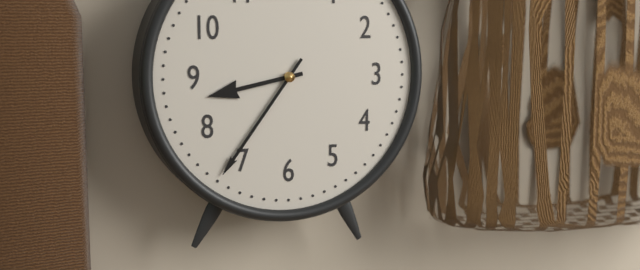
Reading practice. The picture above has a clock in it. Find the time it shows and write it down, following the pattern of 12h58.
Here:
8h36
